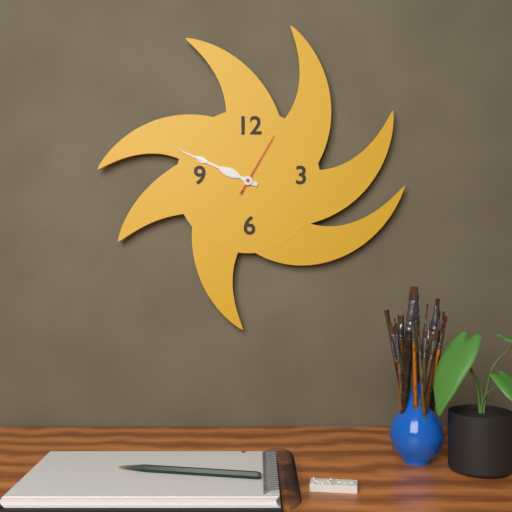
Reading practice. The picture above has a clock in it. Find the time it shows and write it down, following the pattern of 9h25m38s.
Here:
9h49m05s
